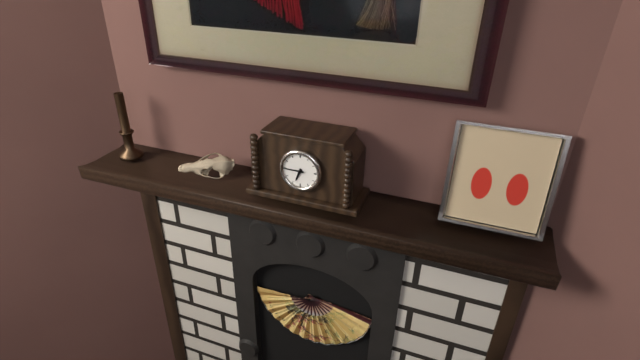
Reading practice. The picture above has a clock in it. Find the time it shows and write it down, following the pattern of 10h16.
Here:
6h45
